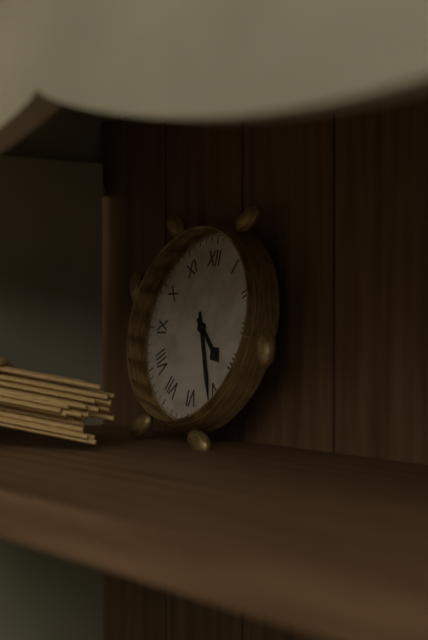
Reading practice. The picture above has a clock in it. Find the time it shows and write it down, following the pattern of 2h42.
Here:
4h26
